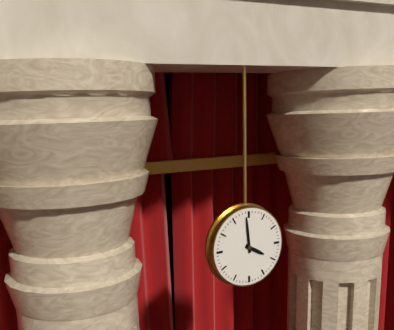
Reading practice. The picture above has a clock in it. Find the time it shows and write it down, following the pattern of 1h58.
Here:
3h59
